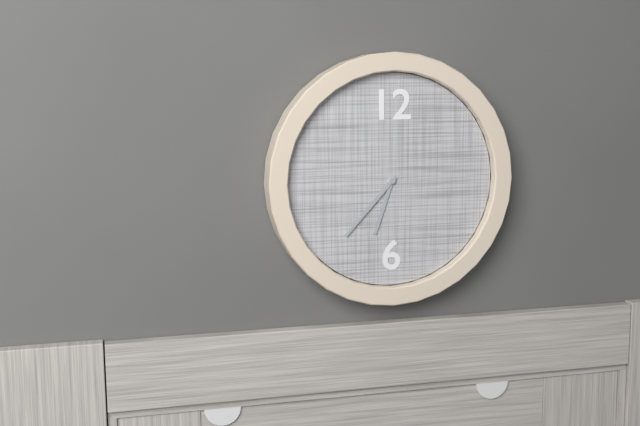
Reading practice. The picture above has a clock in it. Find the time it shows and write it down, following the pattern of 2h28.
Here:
6h37
